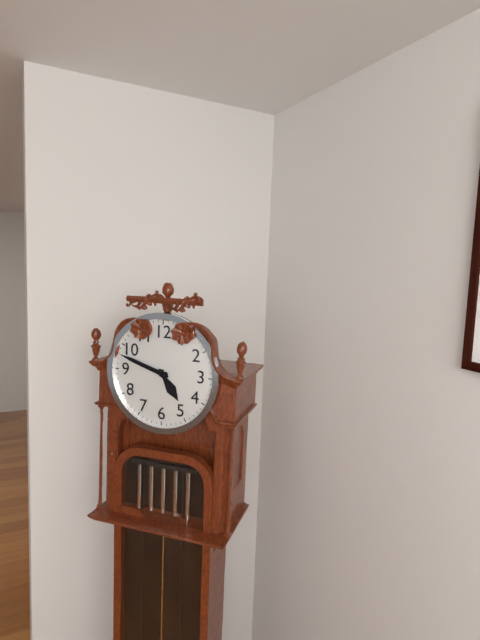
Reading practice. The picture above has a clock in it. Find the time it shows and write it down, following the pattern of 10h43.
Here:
4h48
